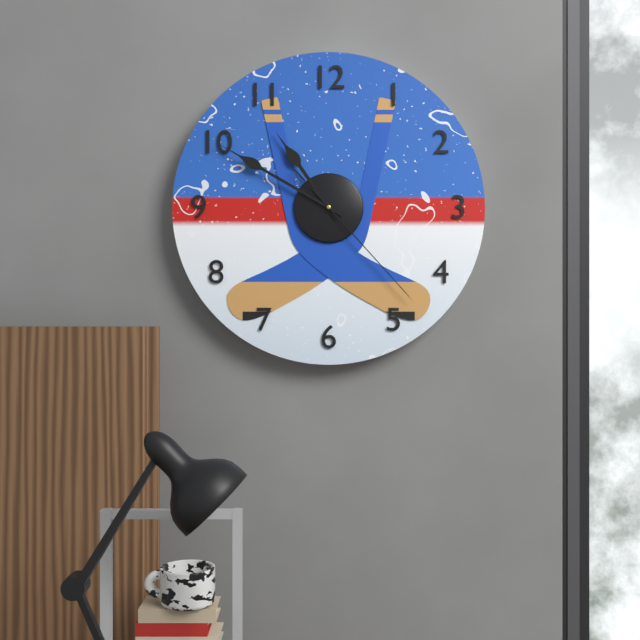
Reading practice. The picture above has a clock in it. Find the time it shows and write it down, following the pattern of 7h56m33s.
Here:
10h50m23s
